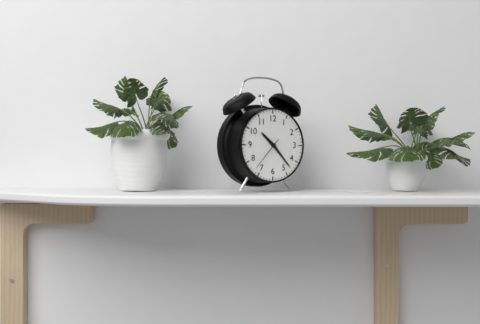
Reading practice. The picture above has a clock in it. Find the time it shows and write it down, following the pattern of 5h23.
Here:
10h23
